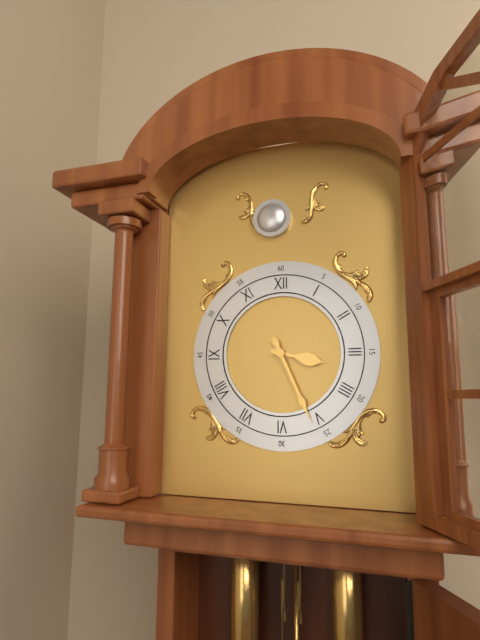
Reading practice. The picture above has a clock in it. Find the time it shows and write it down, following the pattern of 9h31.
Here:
3h26
